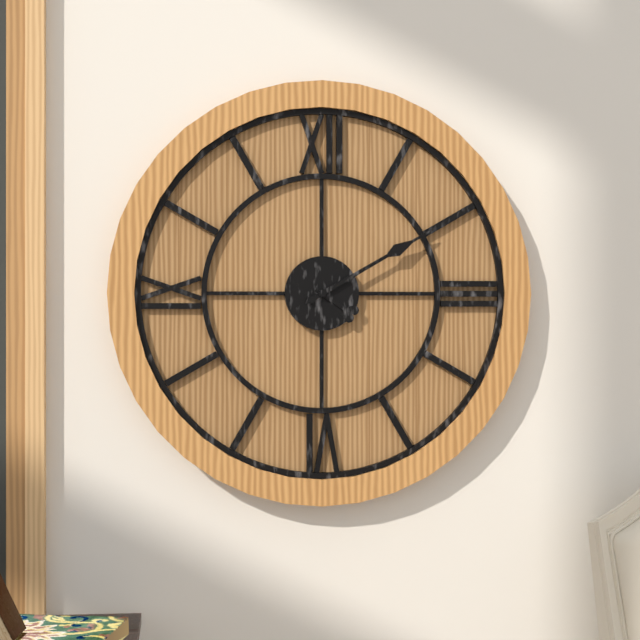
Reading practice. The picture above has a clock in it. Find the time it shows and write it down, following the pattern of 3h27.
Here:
4h10
